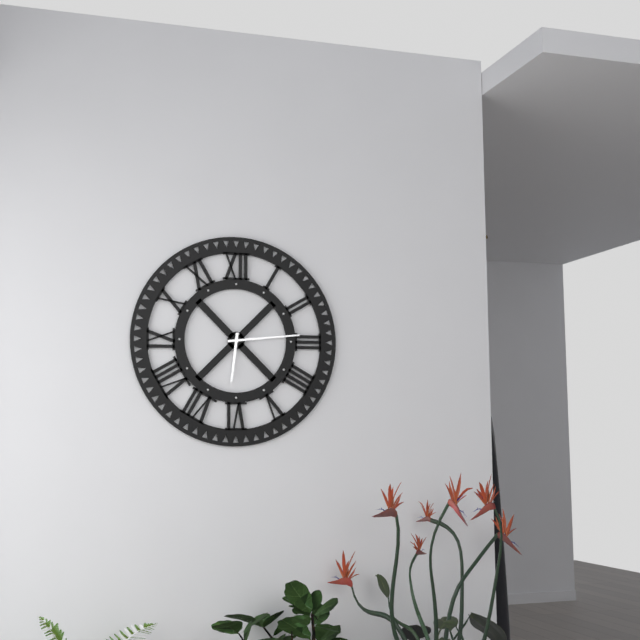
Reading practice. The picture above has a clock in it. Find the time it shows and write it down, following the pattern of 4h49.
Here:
6h14
